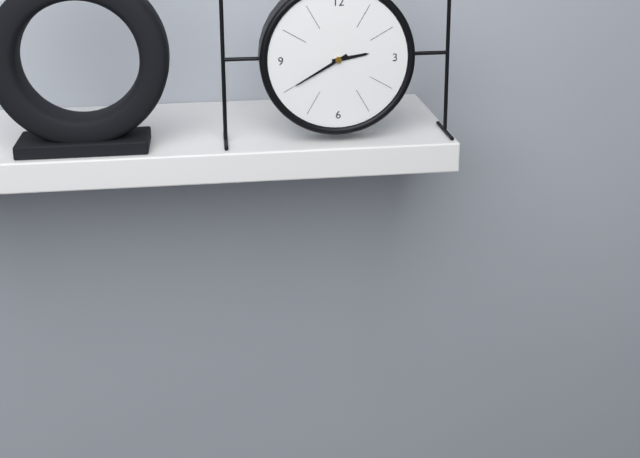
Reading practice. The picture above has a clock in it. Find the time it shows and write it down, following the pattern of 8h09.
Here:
2h40
